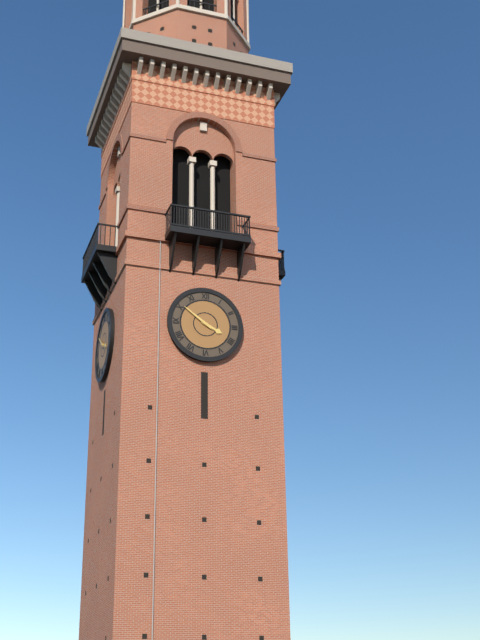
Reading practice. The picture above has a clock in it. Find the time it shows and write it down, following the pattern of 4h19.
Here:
3h51
